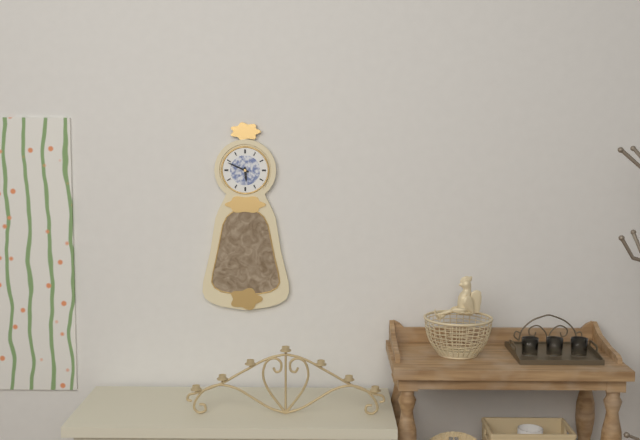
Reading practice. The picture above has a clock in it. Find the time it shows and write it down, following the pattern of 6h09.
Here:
5h49
